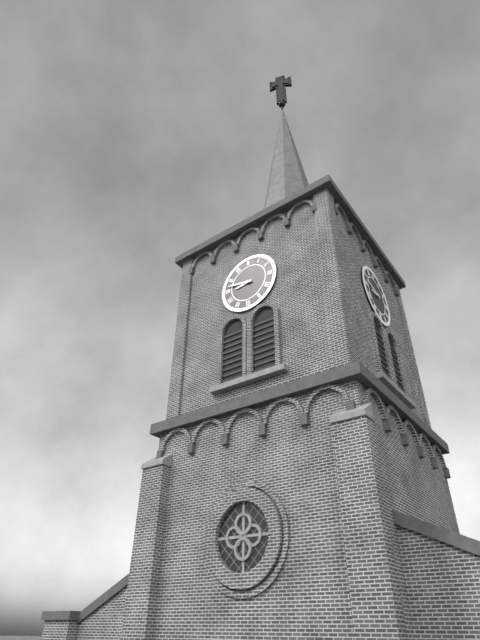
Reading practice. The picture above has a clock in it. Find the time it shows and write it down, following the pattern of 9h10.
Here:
8h47
